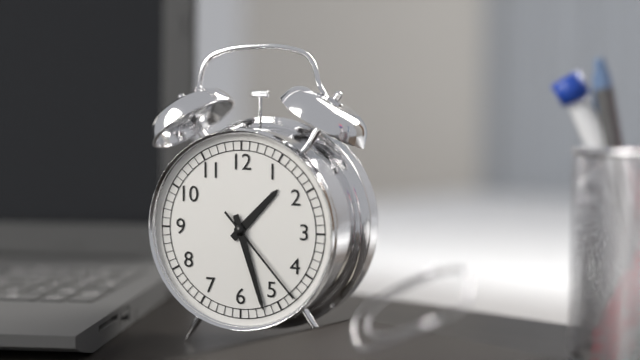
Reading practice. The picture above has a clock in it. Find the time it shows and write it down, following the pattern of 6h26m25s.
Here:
1h27m23s
